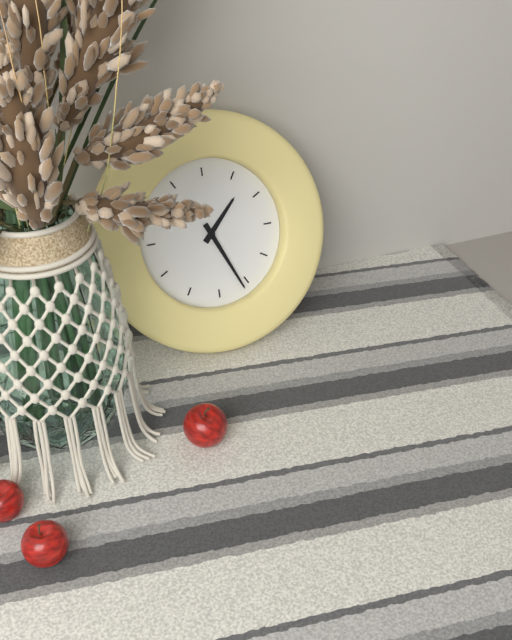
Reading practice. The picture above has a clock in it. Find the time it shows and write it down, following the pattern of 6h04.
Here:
1h26
